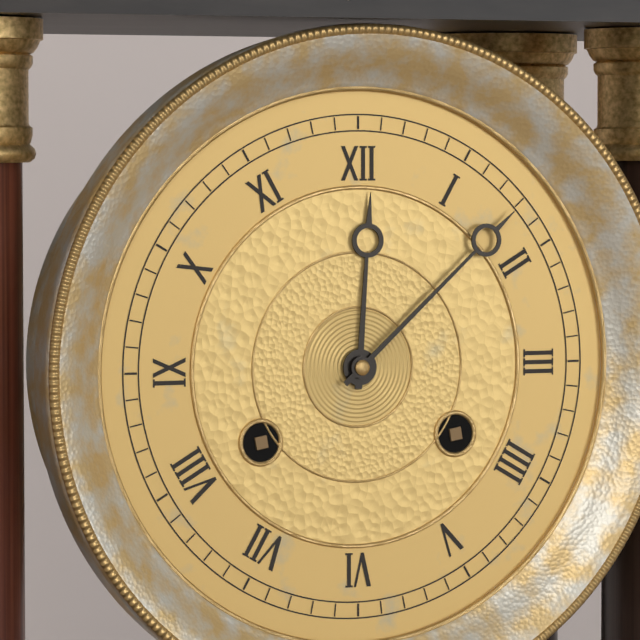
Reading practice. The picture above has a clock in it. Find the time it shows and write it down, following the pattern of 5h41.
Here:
12h08
